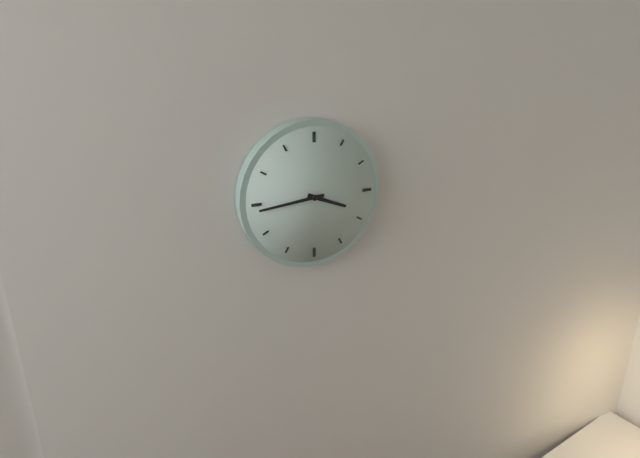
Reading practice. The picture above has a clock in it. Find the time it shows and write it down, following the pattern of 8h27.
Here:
3h44
